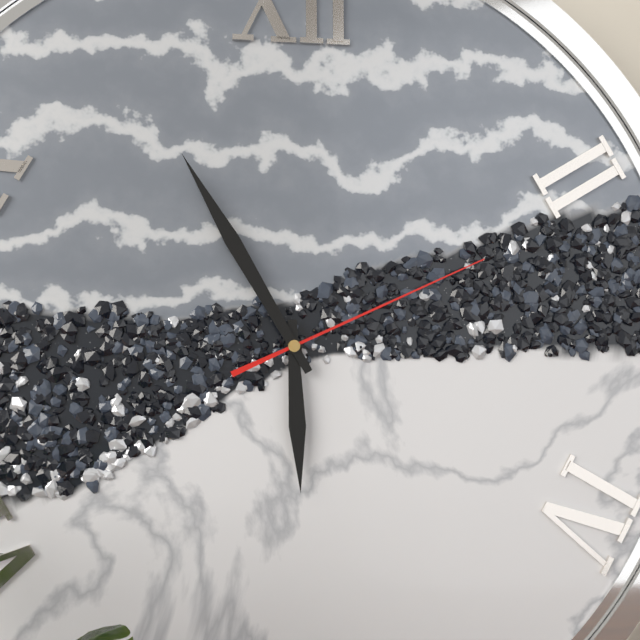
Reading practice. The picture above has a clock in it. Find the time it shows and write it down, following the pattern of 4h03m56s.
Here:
5h55m11s
